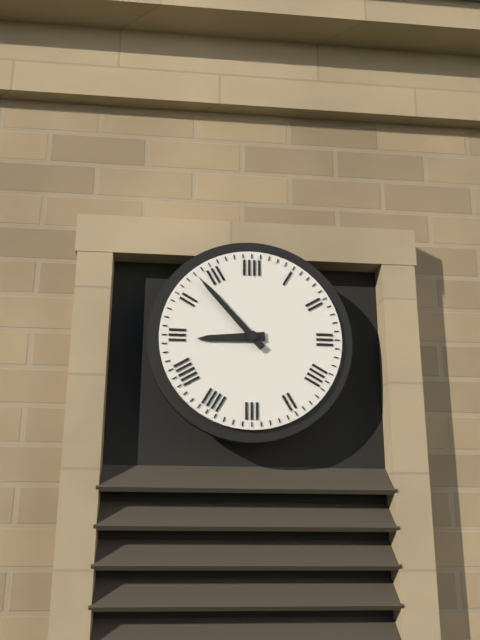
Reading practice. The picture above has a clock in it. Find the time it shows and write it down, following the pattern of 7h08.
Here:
8h53
